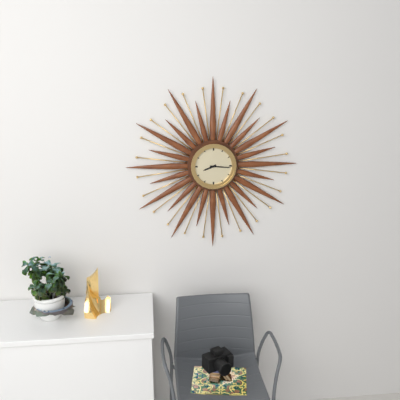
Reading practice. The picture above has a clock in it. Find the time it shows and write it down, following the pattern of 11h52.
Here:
8h16
